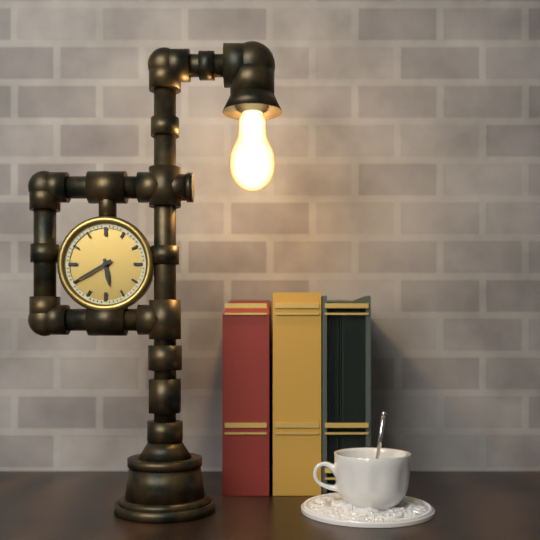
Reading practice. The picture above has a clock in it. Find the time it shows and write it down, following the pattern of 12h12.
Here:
5h40
